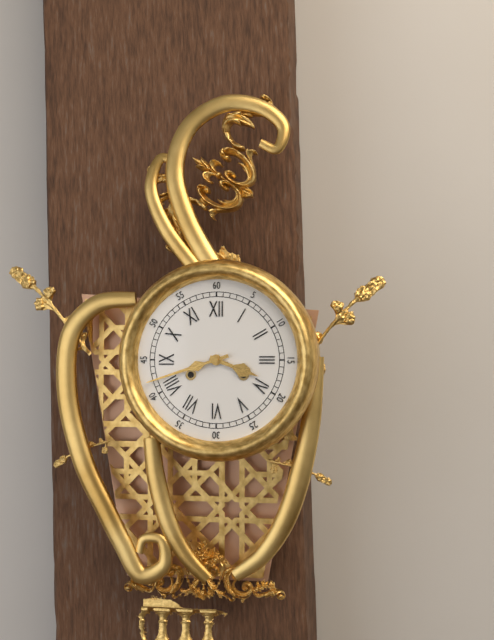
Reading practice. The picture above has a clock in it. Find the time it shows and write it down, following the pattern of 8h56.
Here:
3h42
